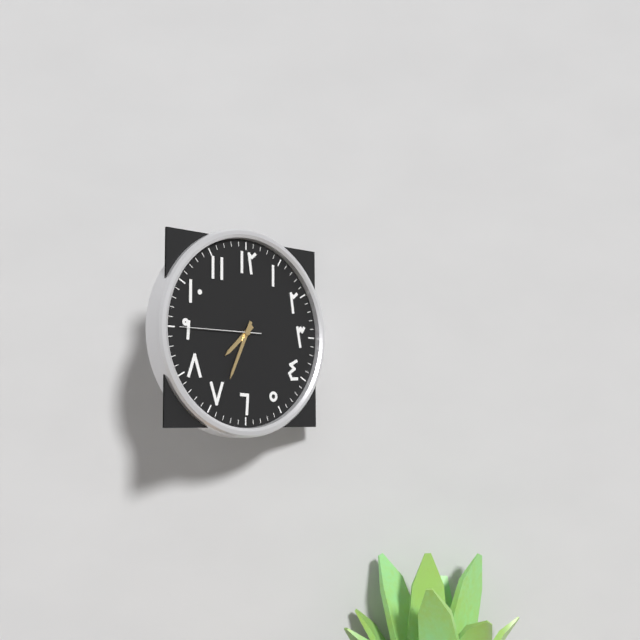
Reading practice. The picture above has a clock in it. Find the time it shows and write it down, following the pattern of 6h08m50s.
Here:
7h34m45s
